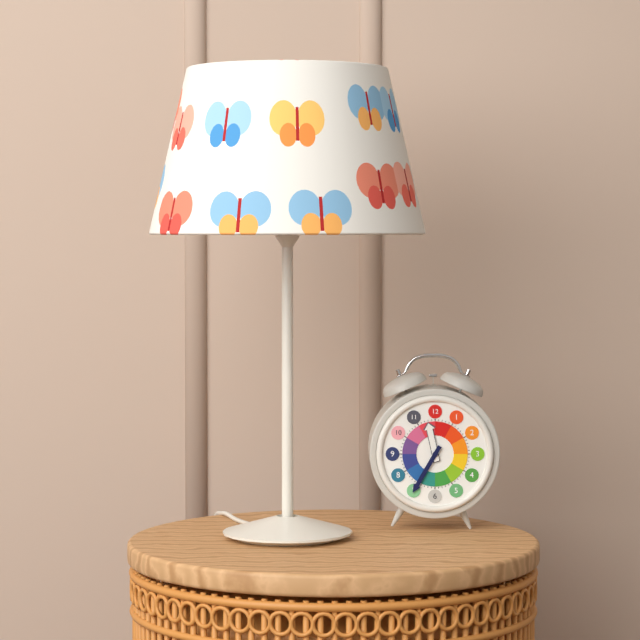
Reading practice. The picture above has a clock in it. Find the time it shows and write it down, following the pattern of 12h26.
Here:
11h35
